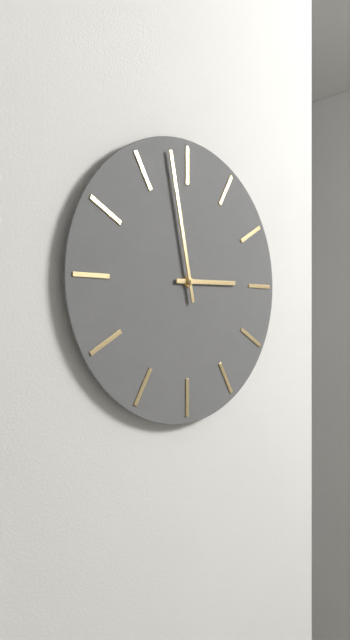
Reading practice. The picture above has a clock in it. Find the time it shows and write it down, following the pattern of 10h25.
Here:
2h58
